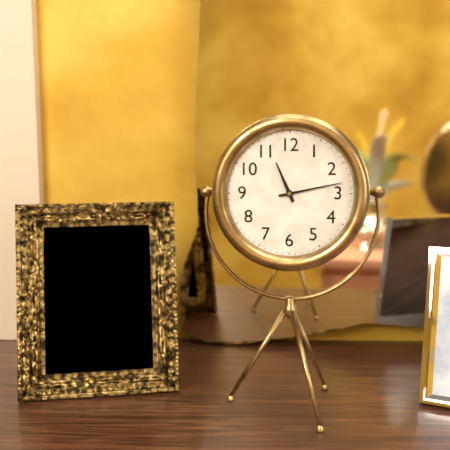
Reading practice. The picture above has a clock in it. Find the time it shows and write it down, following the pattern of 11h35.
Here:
11h13
